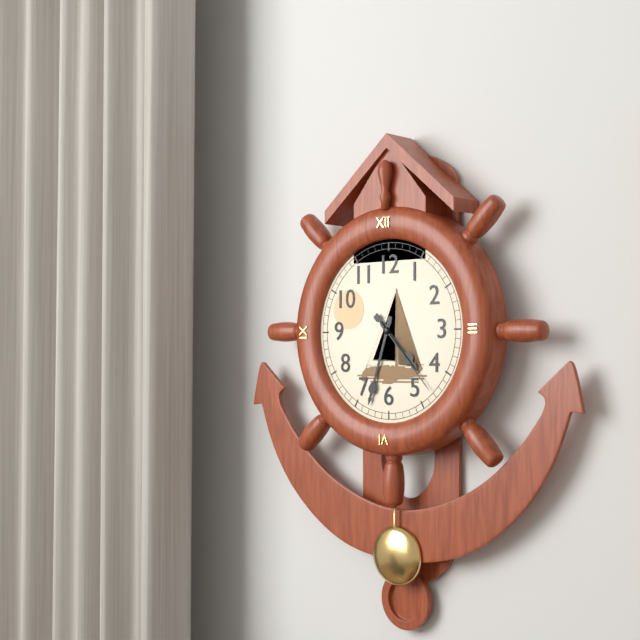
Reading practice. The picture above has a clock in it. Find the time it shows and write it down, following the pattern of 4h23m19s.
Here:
4h33m23s
